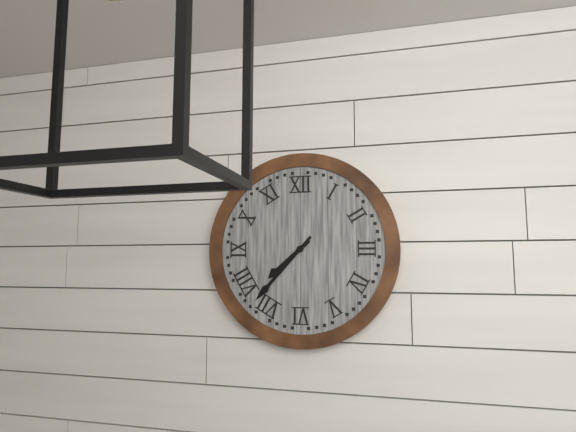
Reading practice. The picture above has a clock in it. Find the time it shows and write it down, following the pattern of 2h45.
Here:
7h37
